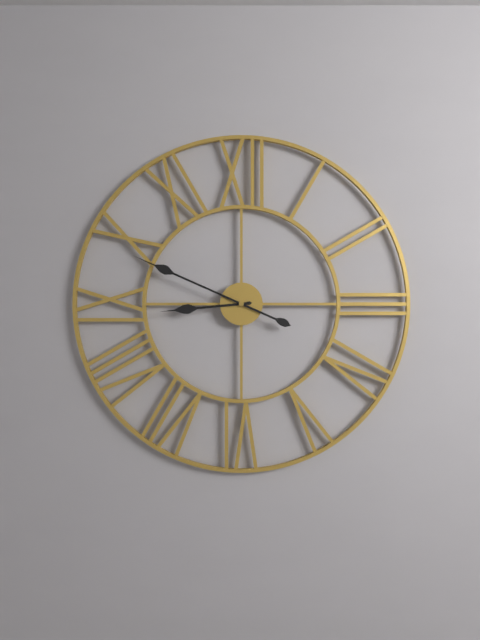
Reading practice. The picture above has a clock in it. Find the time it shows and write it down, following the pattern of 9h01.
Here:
8h49
